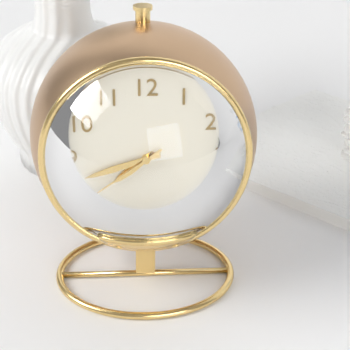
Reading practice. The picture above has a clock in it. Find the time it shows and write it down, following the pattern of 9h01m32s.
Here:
7h42m39s
